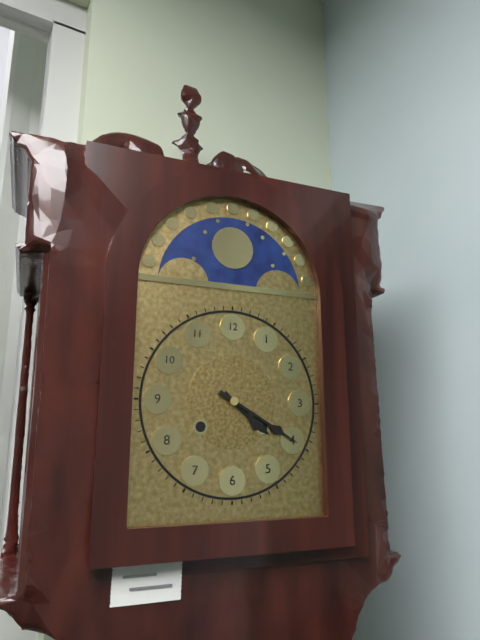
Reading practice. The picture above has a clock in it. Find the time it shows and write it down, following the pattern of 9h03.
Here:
4h20
